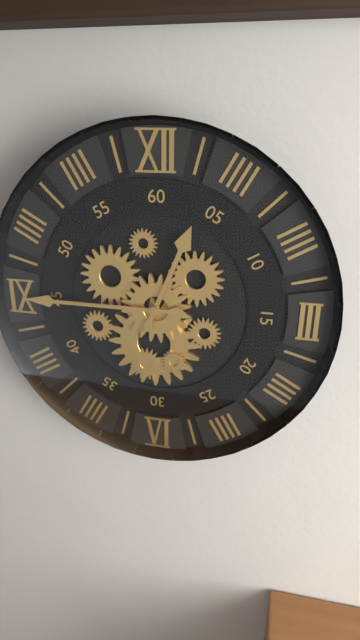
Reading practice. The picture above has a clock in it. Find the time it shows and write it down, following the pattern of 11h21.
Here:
12h45
